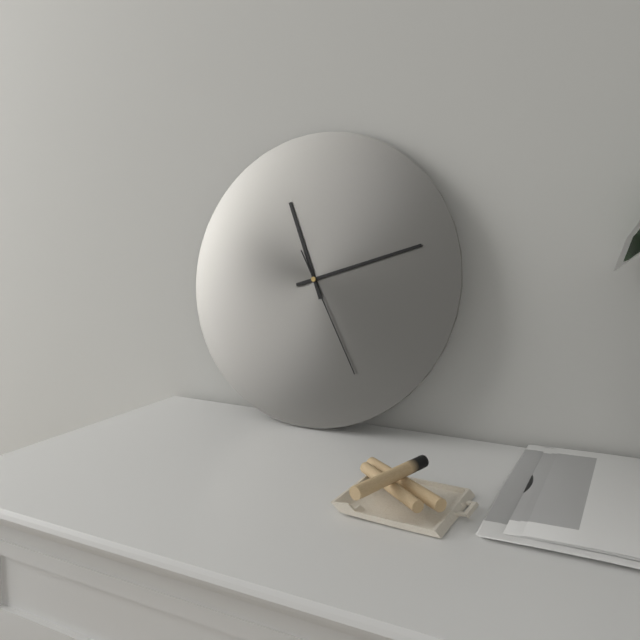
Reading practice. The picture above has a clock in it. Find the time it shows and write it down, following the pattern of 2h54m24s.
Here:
11h12m25s
